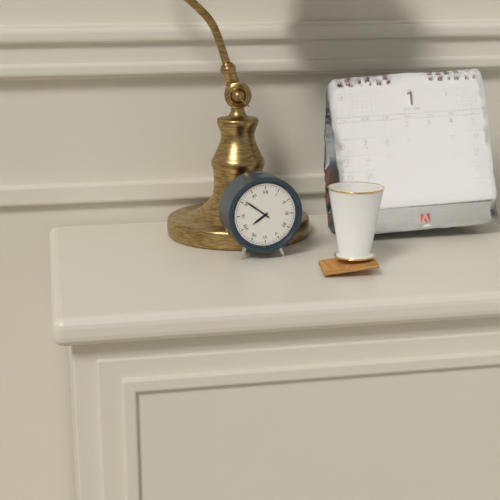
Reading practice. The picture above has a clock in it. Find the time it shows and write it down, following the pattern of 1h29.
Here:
7h51
